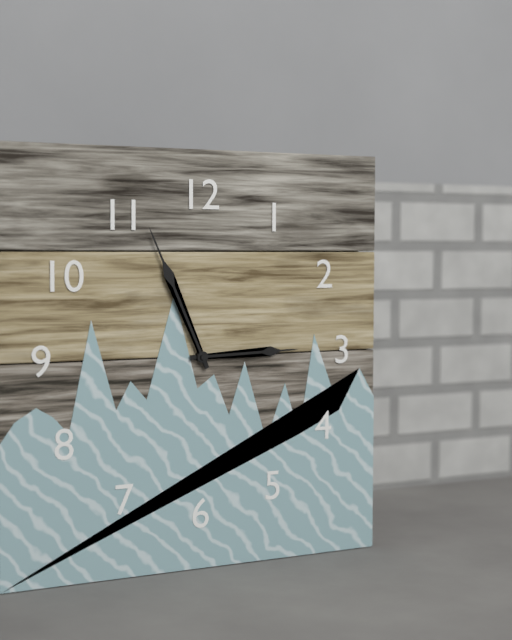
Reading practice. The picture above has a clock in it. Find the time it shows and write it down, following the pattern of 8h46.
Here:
2h56
